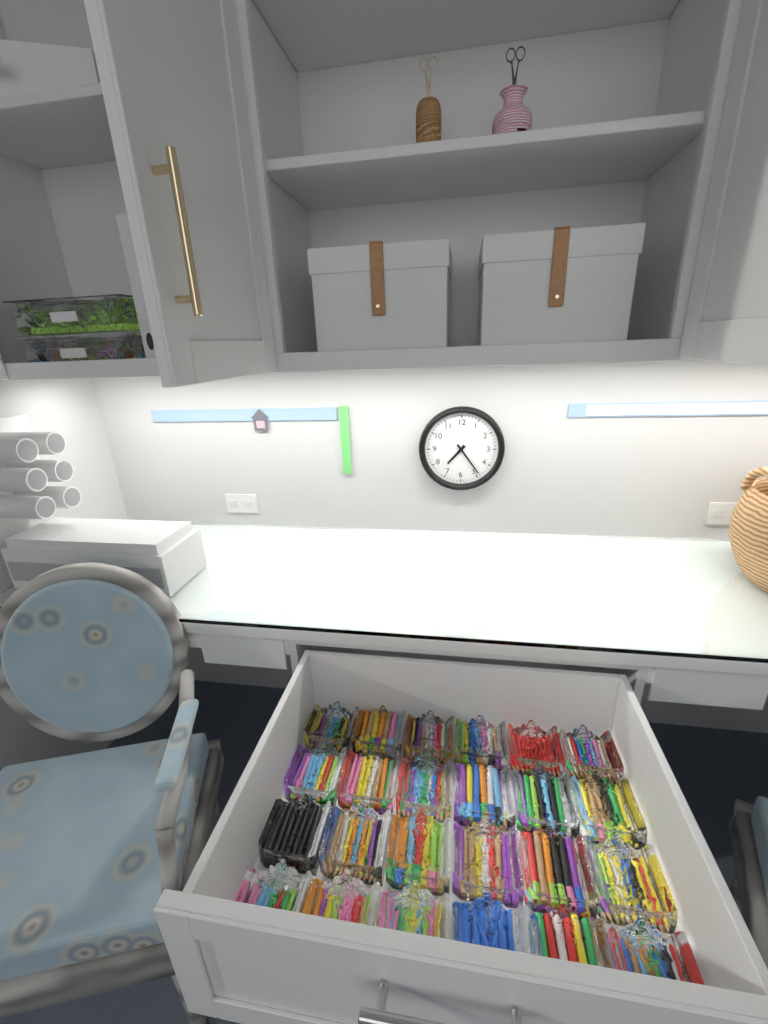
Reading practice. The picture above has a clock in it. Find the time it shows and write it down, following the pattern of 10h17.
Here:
7h24
